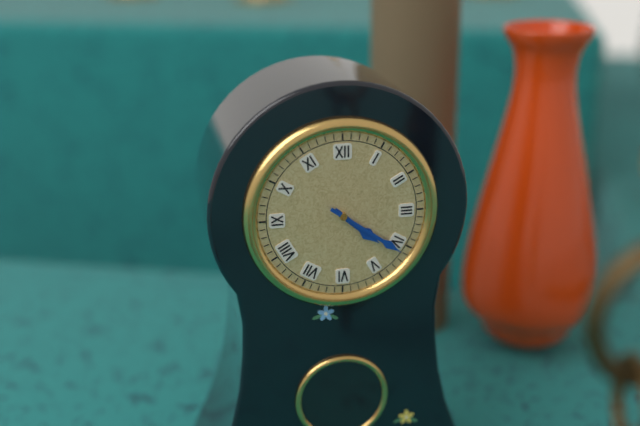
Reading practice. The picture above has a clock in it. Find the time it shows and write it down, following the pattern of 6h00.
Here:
4h21
